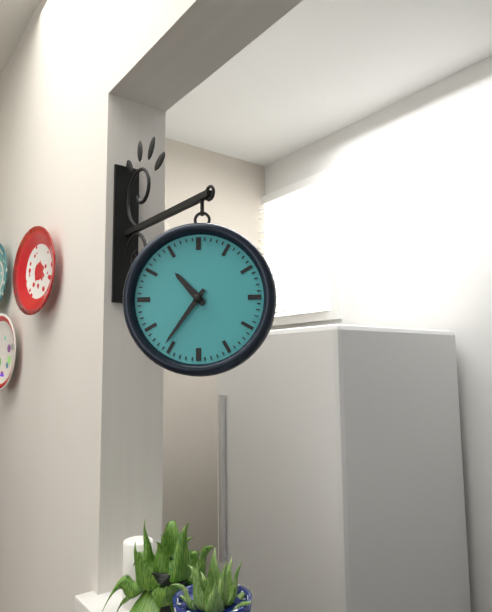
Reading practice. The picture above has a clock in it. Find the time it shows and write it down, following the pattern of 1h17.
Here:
10h36
